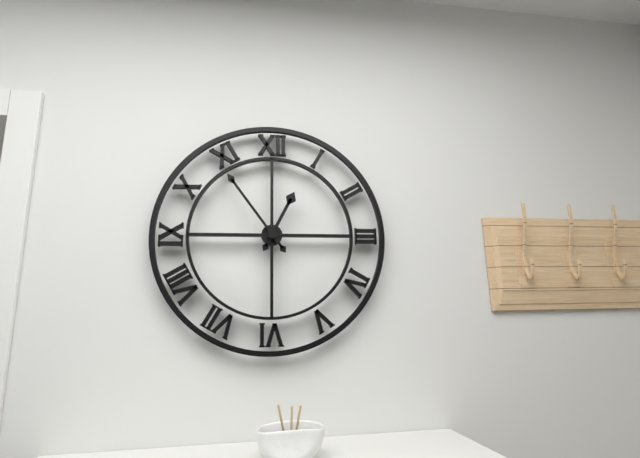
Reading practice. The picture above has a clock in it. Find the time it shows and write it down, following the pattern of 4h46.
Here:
12h54
